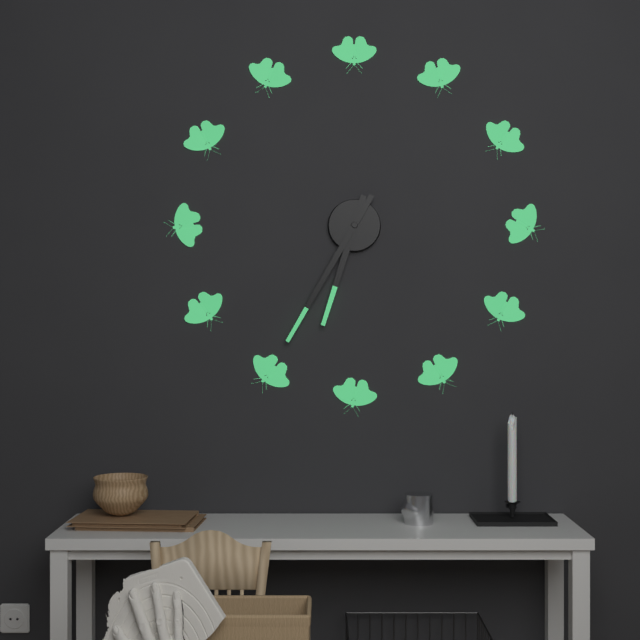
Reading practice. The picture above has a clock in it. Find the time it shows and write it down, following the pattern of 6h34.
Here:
6h35
